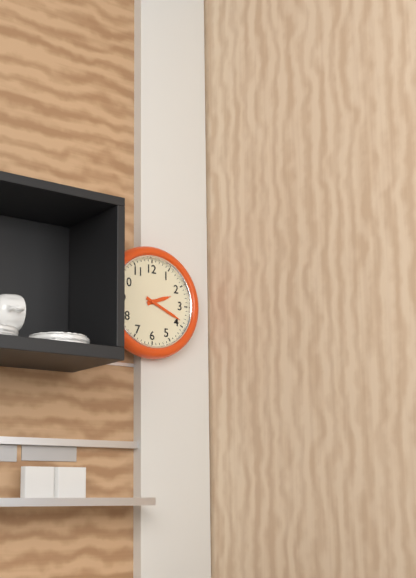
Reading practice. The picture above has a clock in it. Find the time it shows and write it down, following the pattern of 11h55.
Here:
2h19
